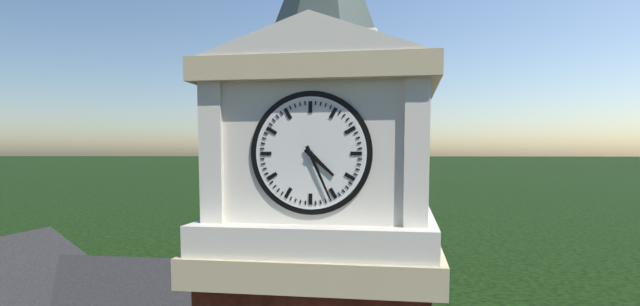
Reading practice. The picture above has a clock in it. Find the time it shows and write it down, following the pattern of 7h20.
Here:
4h26
